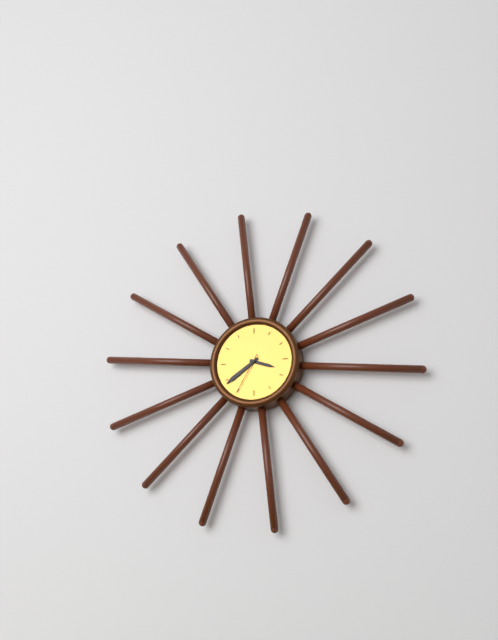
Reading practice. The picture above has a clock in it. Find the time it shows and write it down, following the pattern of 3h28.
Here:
3h39
